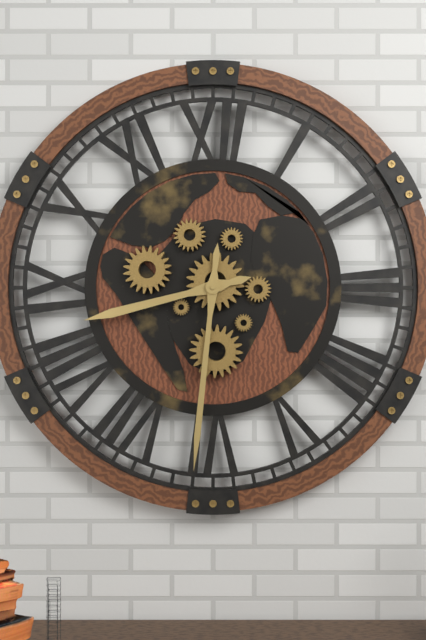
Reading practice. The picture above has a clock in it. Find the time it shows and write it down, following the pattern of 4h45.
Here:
8h31
